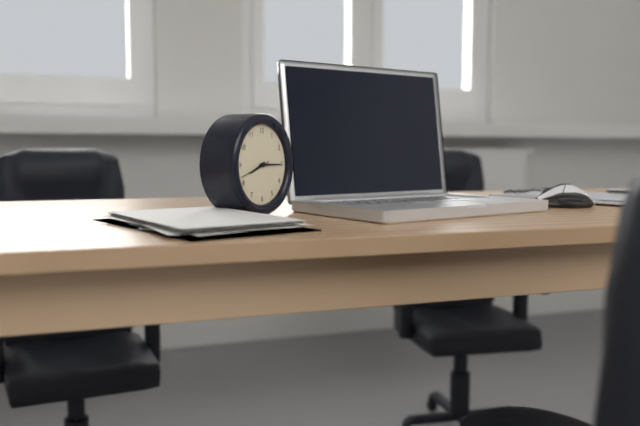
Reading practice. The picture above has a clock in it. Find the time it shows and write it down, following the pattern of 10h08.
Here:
8h15
